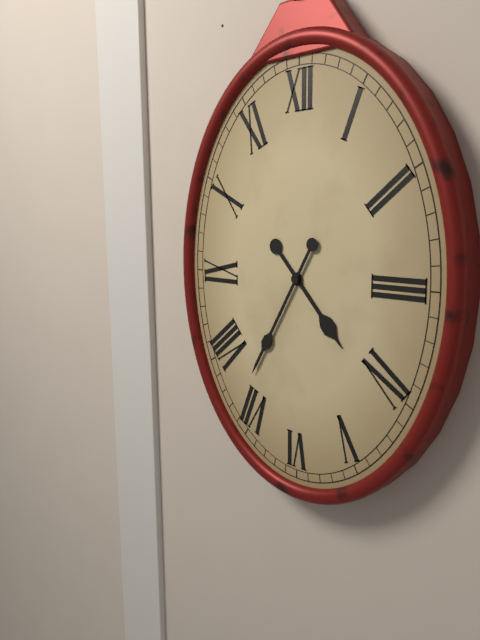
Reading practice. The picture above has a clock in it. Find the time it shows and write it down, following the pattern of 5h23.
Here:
4h35
